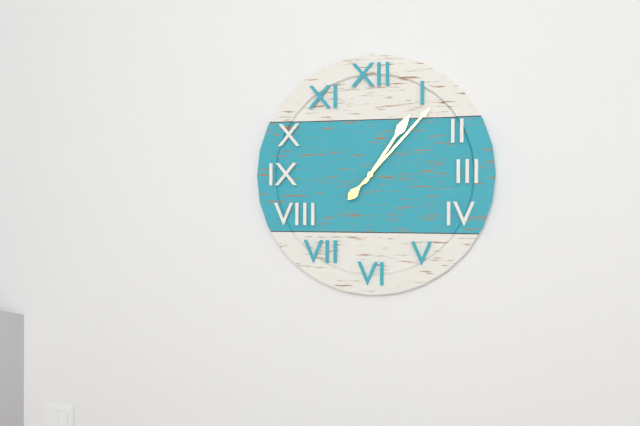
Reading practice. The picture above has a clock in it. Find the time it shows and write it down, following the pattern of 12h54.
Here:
1h07
